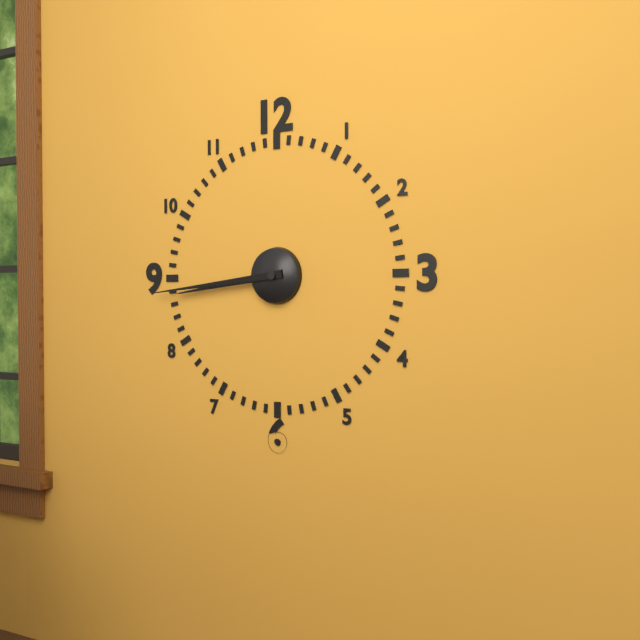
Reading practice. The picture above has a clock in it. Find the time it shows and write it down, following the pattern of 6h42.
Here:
8h44
